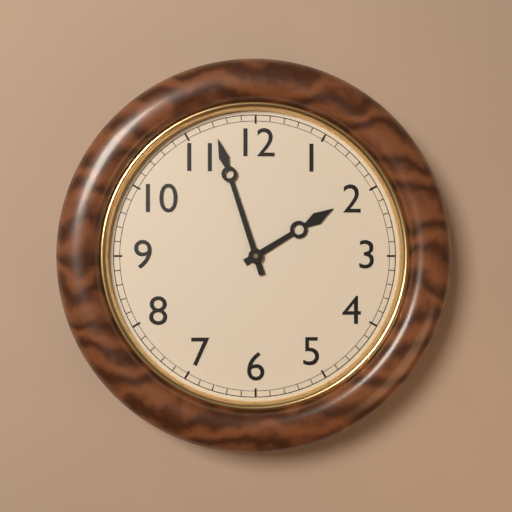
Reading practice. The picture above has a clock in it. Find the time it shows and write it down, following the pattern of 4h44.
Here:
1h57
